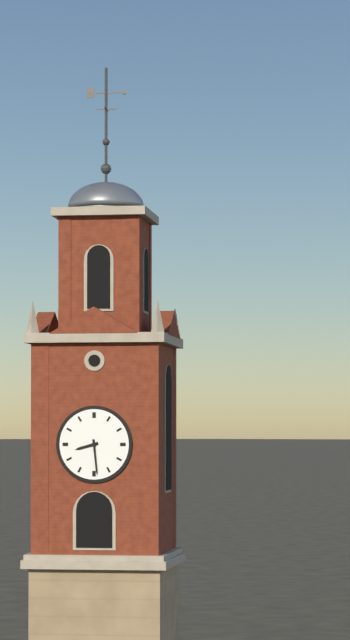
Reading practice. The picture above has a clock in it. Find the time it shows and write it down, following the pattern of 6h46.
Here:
8h29
